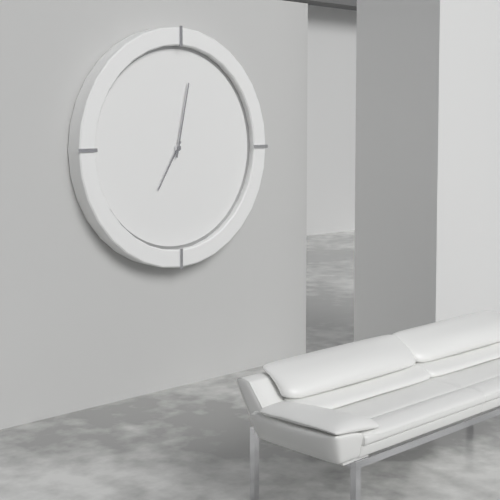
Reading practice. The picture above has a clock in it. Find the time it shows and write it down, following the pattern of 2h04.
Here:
7h02
